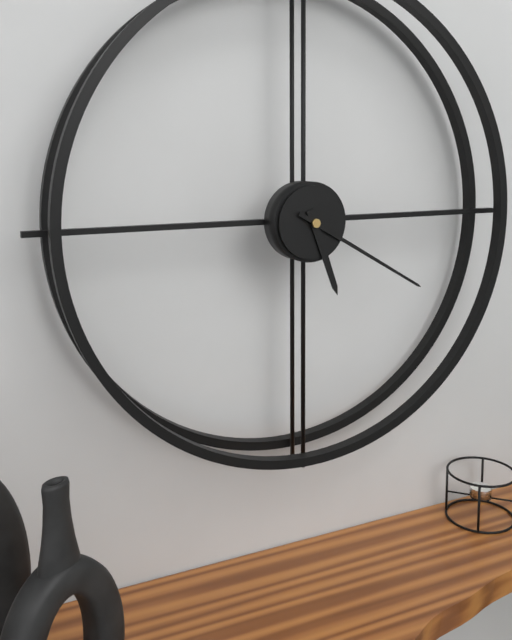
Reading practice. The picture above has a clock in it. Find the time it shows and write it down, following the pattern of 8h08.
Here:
5h20
